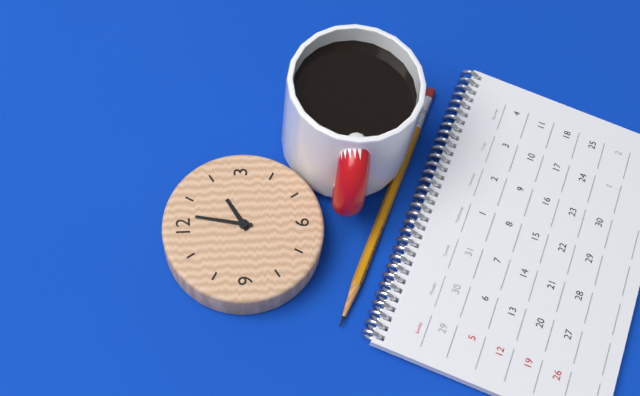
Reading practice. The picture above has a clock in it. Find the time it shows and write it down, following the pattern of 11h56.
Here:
2h02
